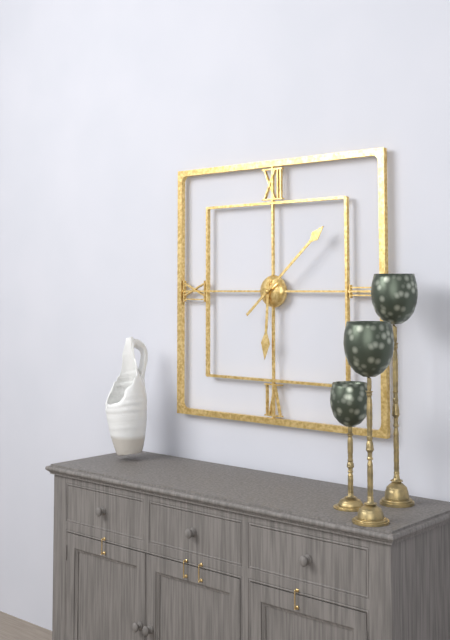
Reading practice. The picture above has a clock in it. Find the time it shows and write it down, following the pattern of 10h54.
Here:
6h08
